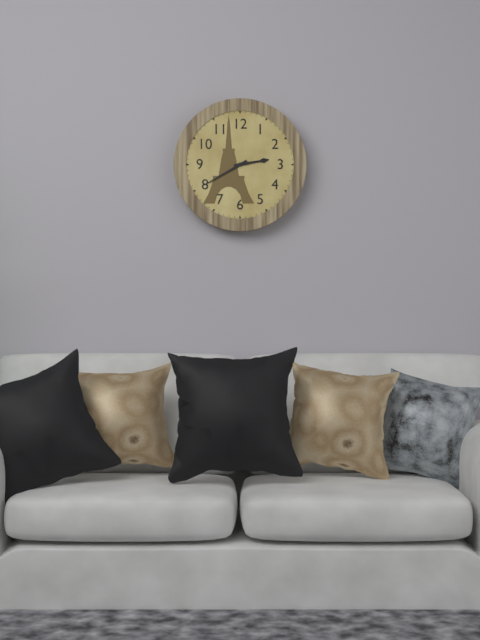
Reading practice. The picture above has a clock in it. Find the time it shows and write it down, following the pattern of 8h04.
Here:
2h40
